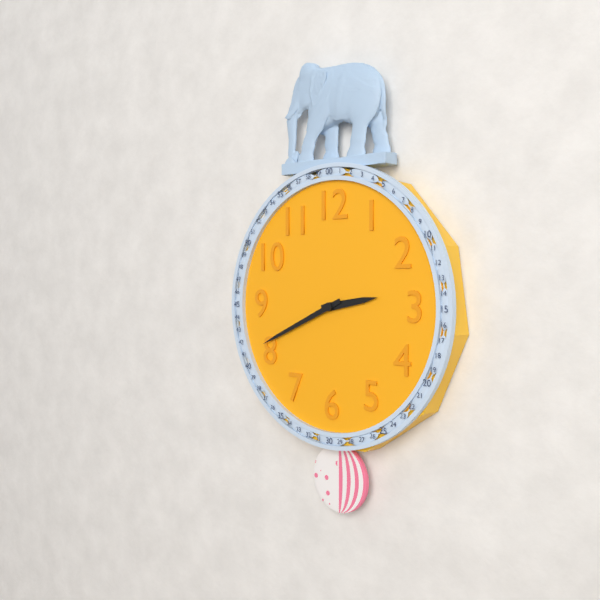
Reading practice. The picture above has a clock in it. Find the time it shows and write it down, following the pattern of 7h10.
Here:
2h41
